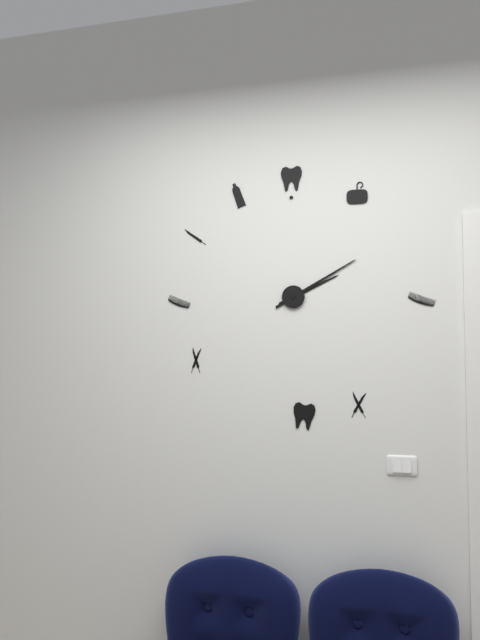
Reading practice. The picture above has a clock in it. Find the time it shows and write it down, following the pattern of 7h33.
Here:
2h10
